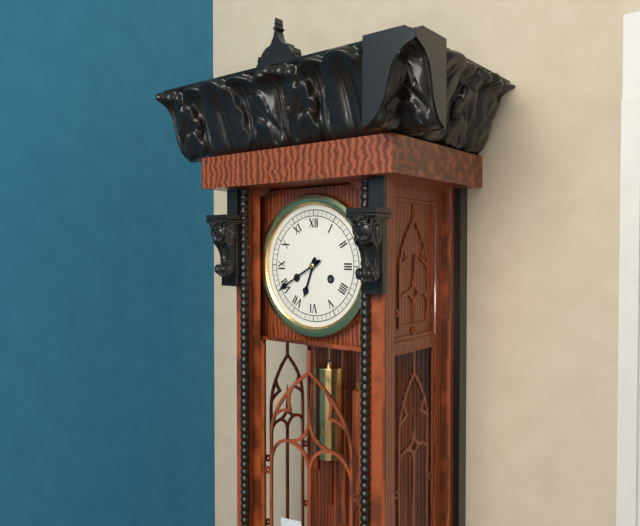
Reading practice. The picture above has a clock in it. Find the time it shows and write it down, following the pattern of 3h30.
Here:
6h40
